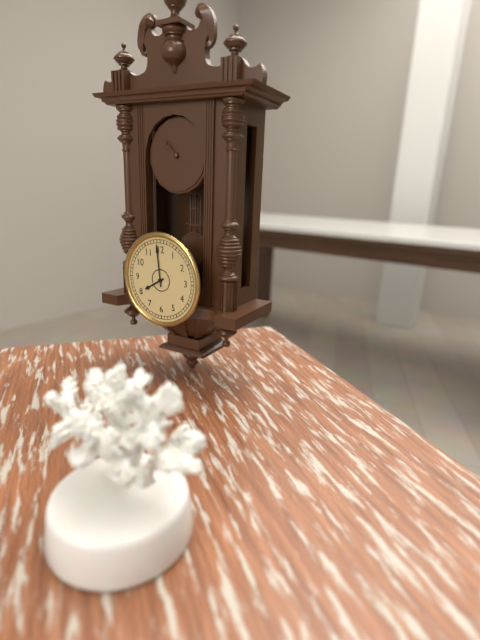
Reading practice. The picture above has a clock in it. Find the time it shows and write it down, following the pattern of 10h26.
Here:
7h59
